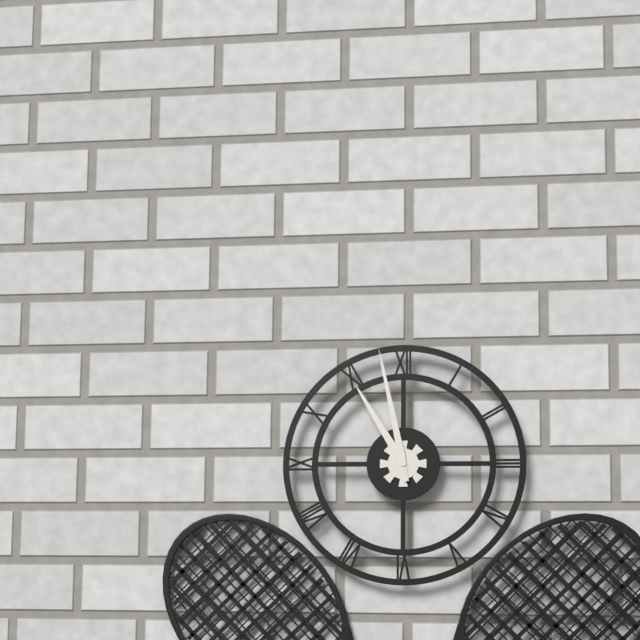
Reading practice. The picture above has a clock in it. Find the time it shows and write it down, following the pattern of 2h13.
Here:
10h58
